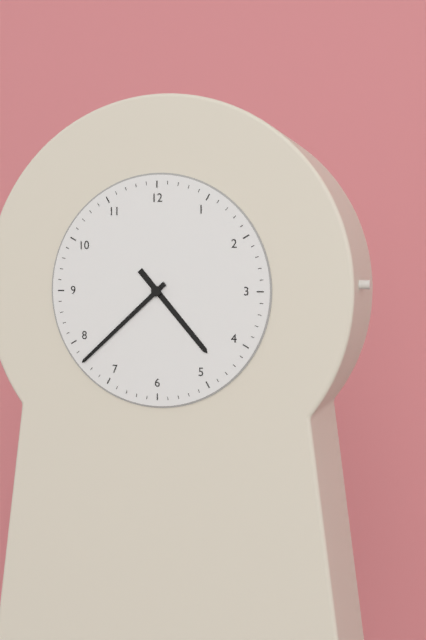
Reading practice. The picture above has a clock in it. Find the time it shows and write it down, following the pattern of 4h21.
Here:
4h38
